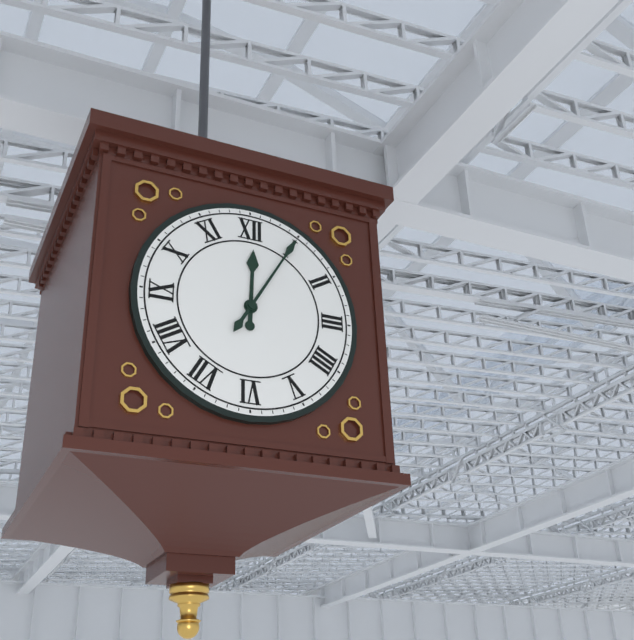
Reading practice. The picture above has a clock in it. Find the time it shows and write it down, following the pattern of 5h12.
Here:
12h05
